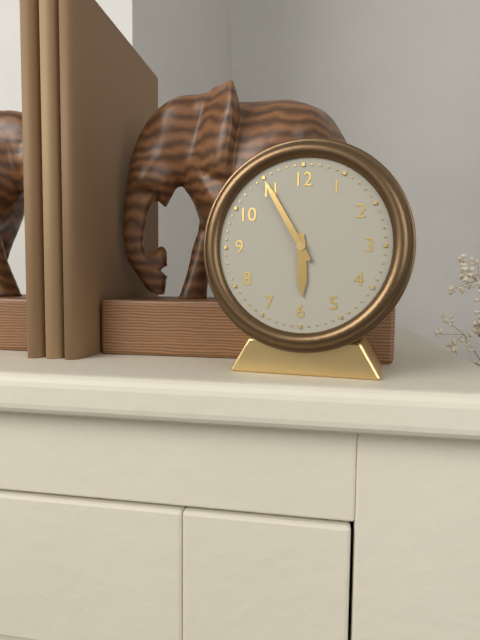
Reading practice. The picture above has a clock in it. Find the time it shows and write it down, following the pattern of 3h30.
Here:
5h55
